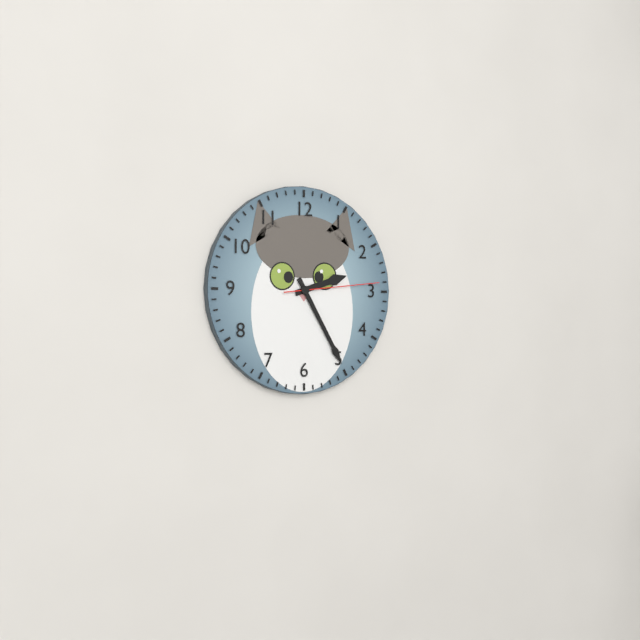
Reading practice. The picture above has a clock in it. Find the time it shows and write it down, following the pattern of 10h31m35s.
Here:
2h25m14s
